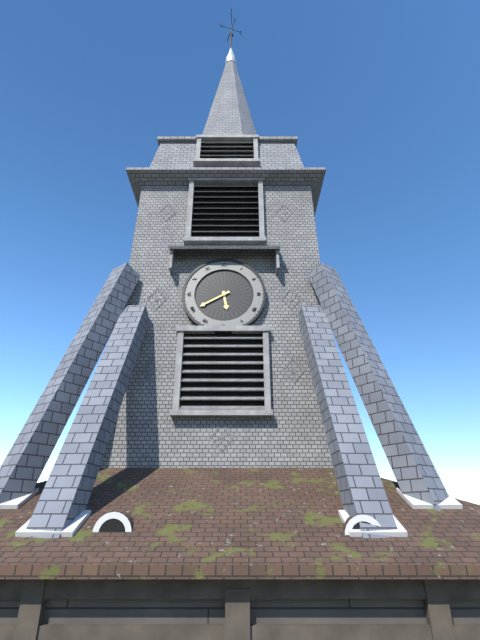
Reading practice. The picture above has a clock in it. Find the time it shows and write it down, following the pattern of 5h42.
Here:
5h40
